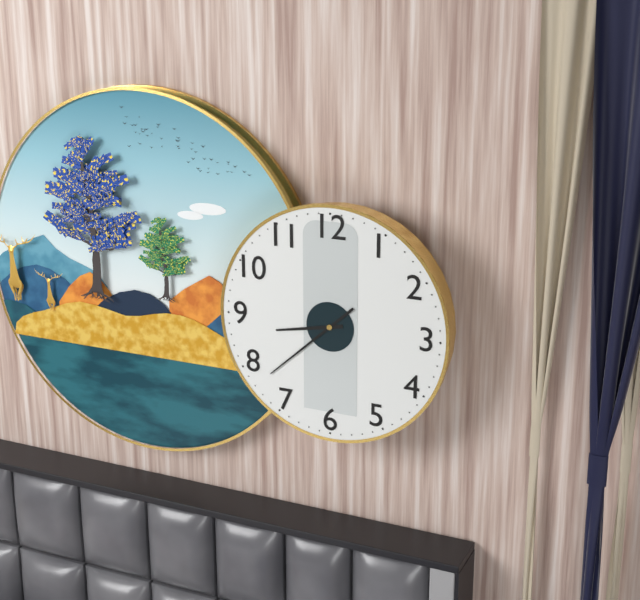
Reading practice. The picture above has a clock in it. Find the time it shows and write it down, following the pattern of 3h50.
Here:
8h38
